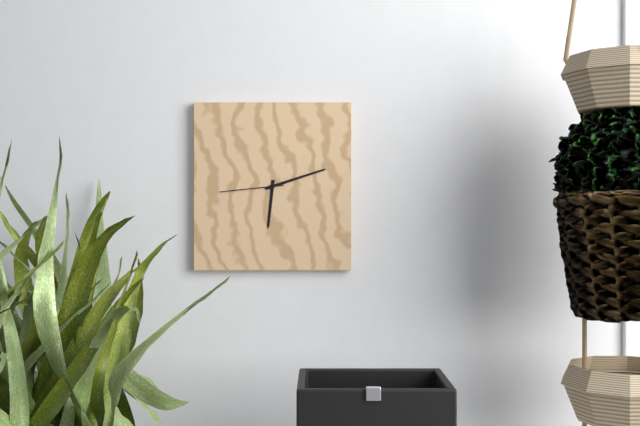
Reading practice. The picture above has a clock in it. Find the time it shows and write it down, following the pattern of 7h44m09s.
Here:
6h12m44s
